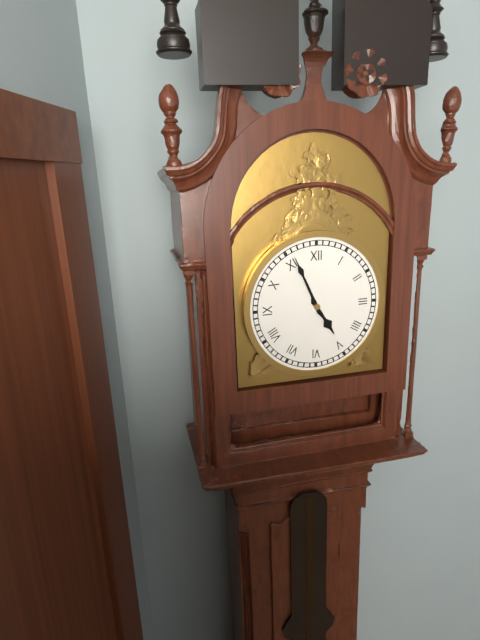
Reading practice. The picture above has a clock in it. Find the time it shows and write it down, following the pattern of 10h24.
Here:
4h56
